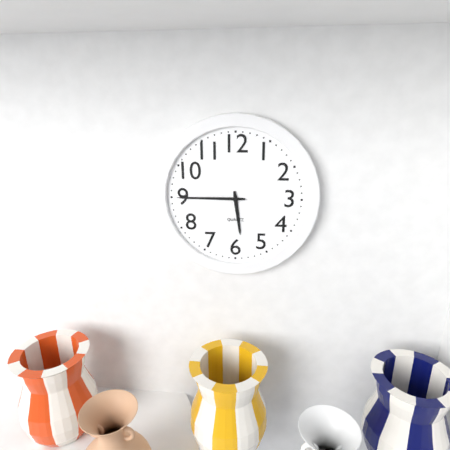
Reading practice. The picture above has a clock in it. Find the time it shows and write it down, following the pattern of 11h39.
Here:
5h45
